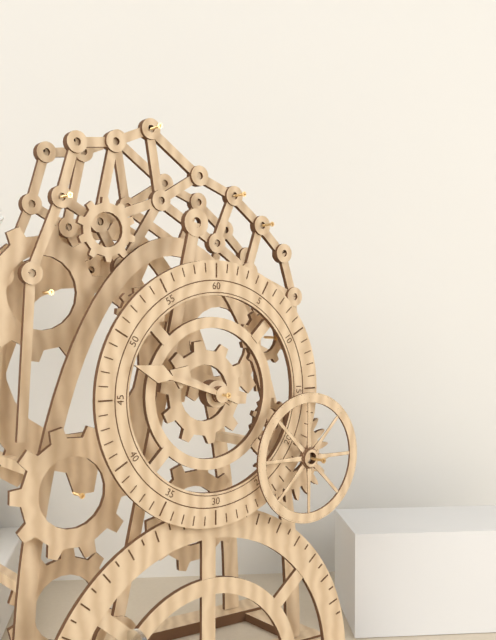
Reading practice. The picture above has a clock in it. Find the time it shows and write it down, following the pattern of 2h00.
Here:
9h48
